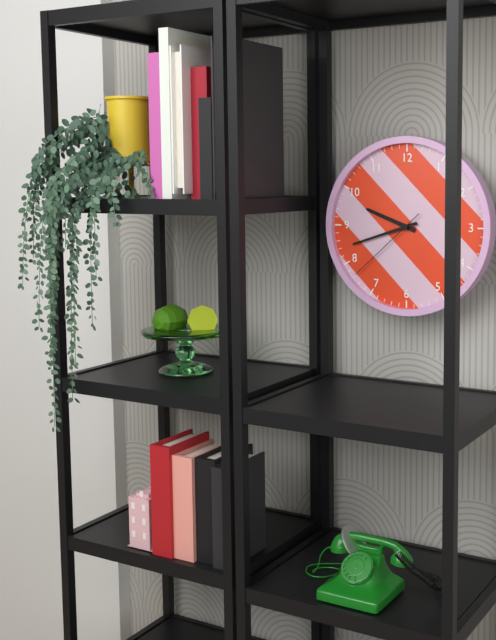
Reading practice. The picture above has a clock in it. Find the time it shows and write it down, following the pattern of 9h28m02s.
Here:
9h42m38s
